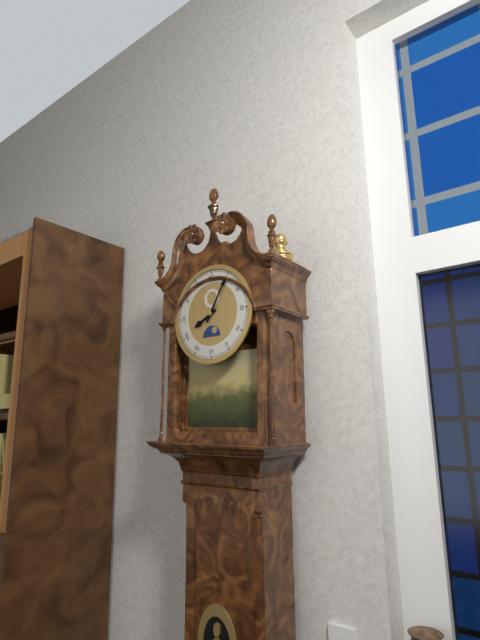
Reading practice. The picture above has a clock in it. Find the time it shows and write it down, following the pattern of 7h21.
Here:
8h05
